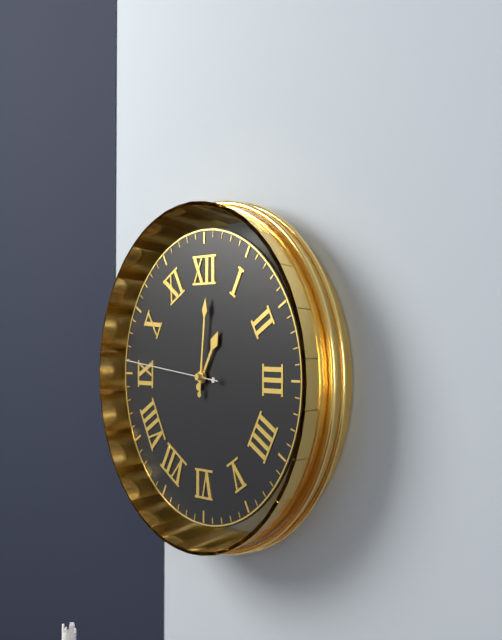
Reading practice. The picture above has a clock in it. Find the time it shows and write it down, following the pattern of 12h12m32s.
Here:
1h01m46s
